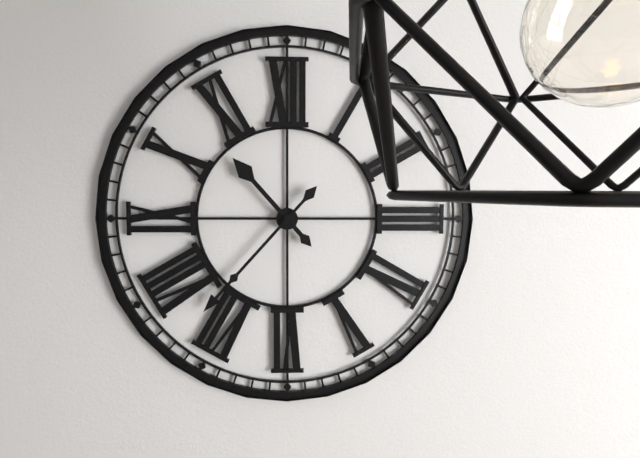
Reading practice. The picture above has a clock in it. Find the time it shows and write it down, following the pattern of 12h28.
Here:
10h37
